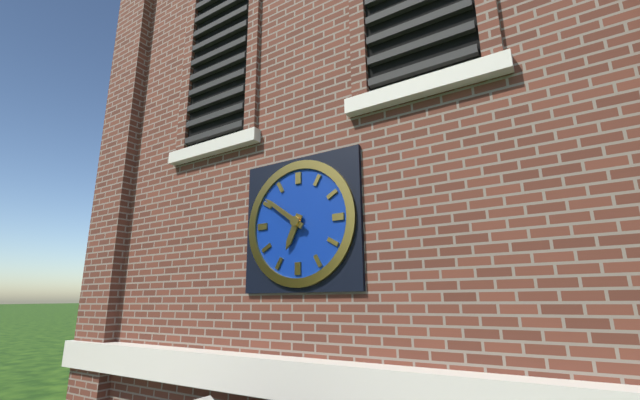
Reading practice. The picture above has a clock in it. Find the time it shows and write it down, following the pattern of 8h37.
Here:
6h51
